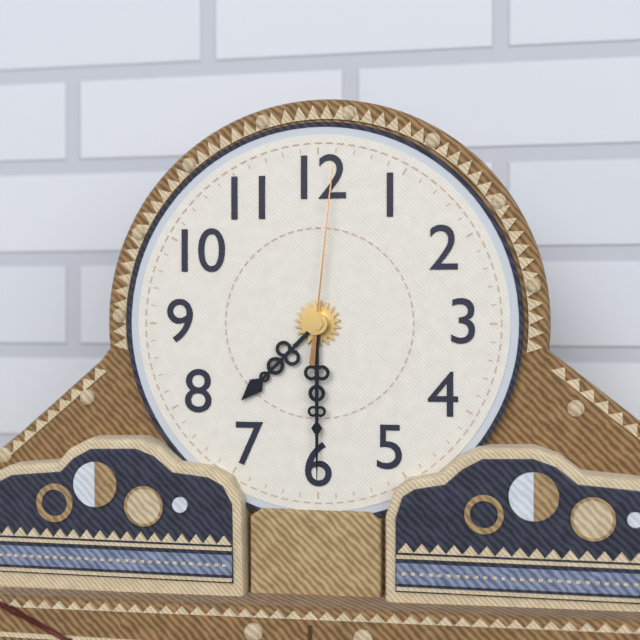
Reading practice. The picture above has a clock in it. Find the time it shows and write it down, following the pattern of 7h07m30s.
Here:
7h30m01s
